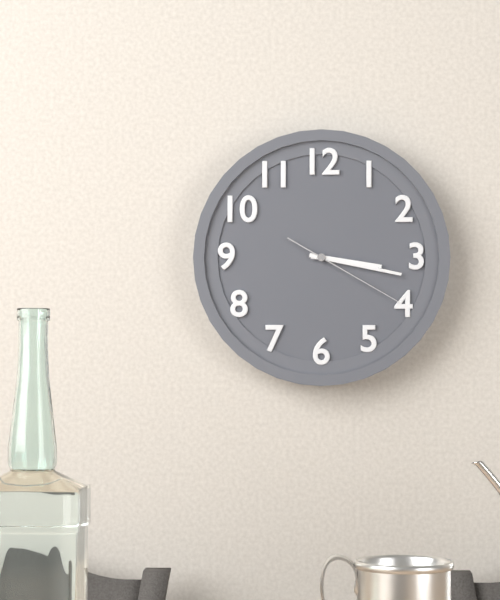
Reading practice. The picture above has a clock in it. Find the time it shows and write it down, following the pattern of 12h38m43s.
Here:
3h17m20s
